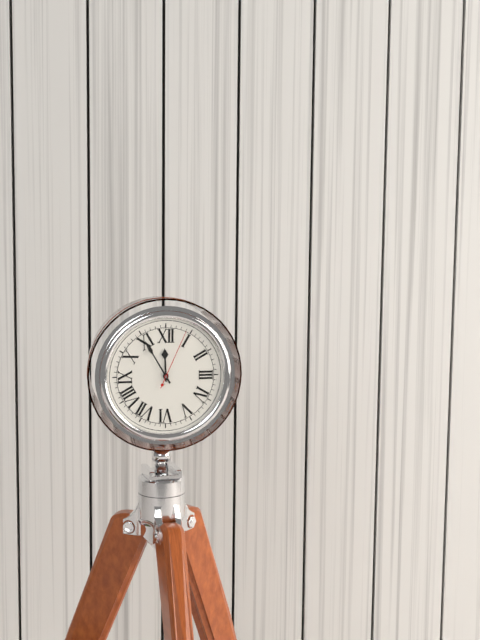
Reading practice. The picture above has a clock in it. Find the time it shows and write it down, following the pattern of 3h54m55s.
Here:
11h55m04s
